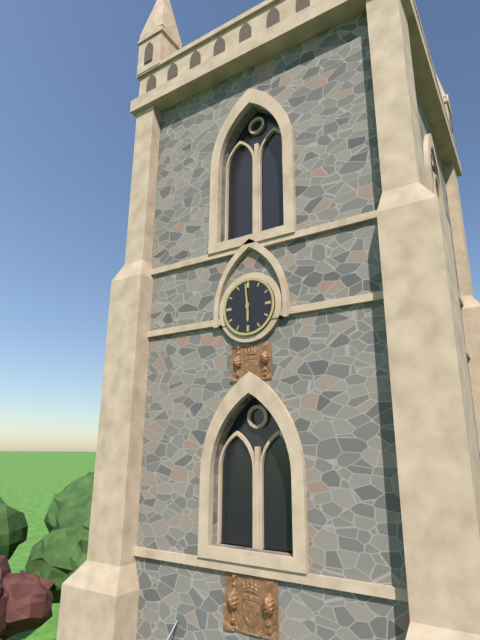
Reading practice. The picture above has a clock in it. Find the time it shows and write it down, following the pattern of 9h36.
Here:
5h59
